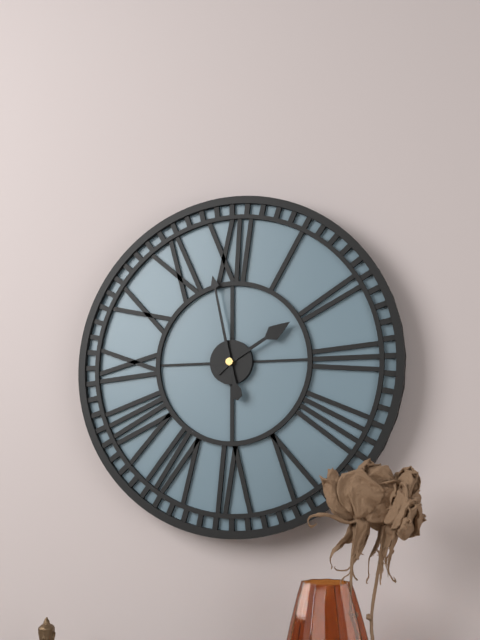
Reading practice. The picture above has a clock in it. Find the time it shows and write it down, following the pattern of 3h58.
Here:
1h58
